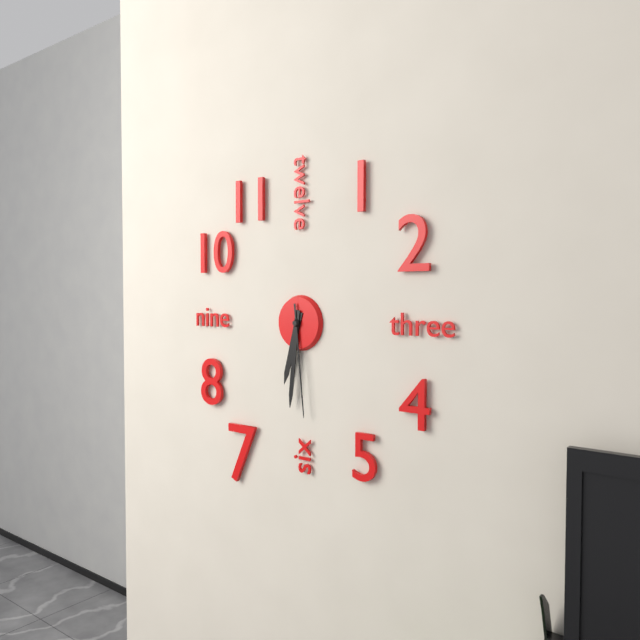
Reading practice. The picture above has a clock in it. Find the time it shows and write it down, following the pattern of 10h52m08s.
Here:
6h31m29s
